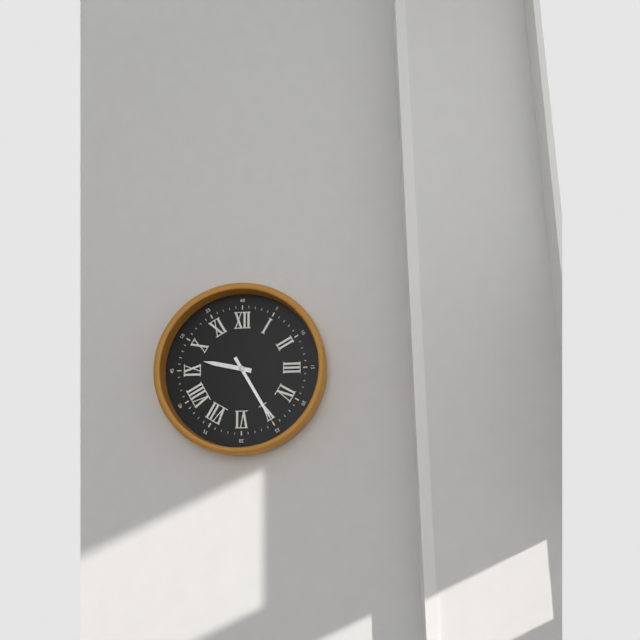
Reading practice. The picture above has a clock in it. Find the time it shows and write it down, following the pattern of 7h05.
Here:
9h25
